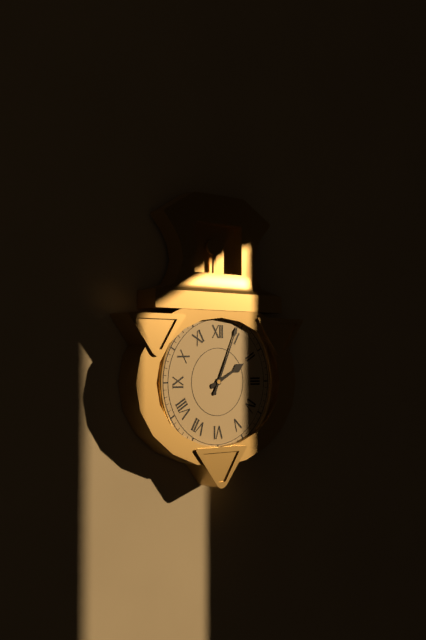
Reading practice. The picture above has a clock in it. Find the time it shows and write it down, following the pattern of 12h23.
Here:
2h04
